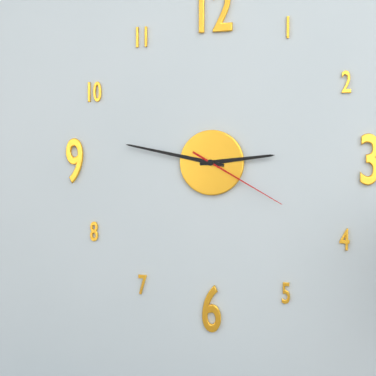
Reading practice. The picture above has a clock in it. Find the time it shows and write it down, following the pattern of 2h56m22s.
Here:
2h47m20s
